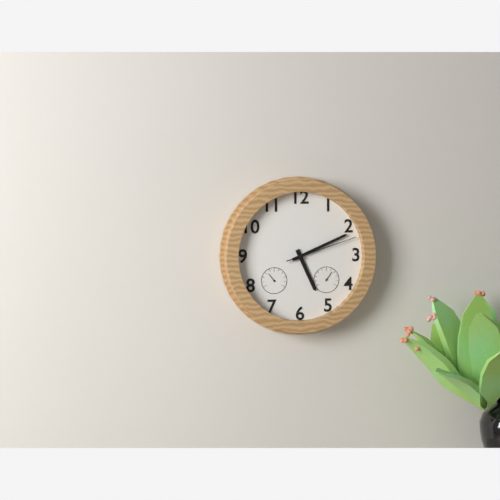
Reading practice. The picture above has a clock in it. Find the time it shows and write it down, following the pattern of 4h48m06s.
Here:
5h11m12s
